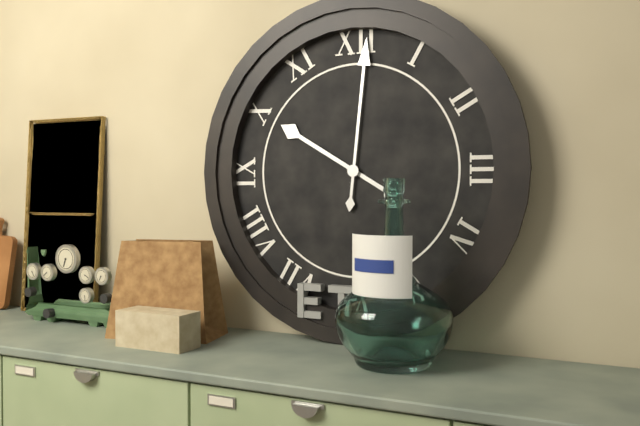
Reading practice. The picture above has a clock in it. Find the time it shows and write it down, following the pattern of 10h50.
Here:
10h01
